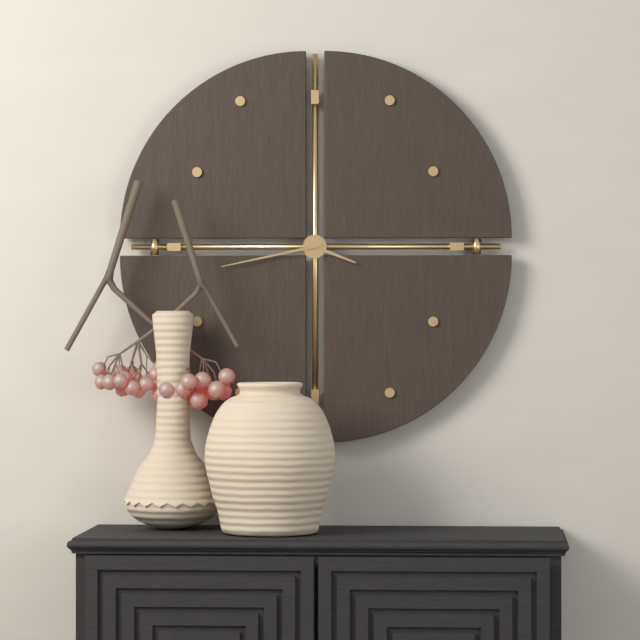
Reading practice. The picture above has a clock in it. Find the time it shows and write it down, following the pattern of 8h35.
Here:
3h43
